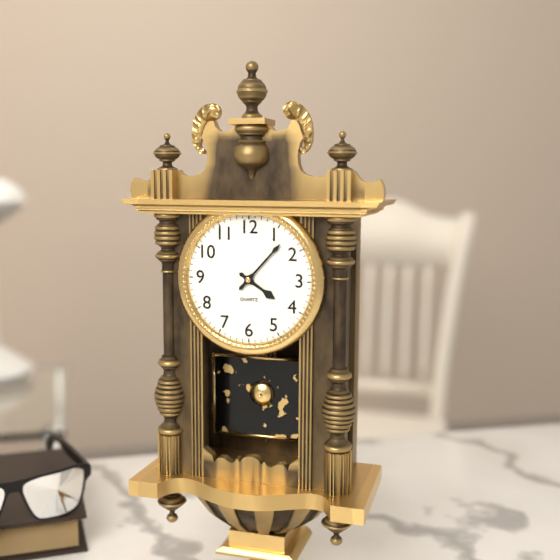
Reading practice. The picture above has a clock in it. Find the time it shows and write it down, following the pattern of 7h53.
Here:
4h07
